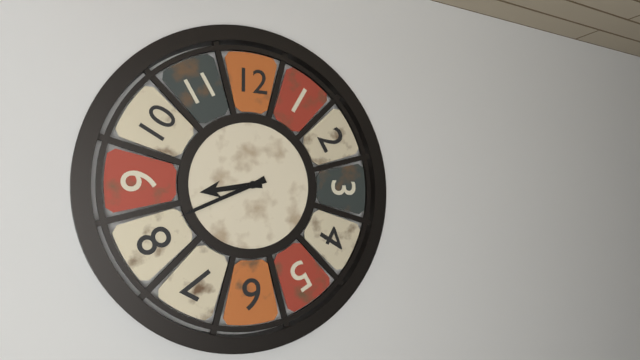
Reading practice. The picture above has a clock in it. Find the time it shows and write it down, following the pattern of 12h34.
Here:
8h41
